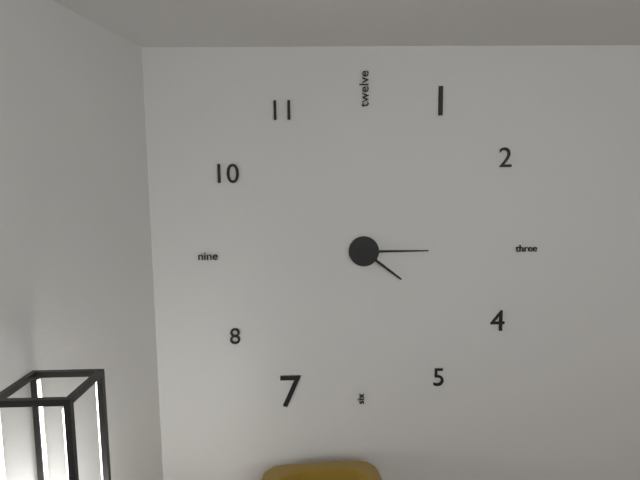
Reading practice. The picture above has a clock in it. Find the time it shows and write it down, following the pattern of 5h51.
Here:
4h15
